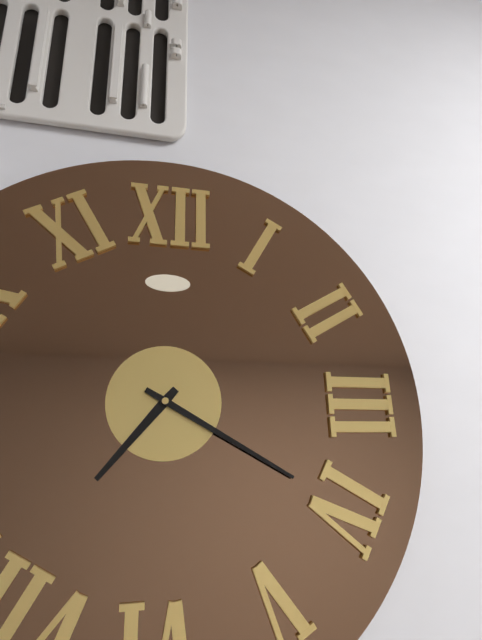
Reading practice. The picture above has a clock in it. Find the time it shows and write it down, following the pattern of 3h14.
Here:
7h20
